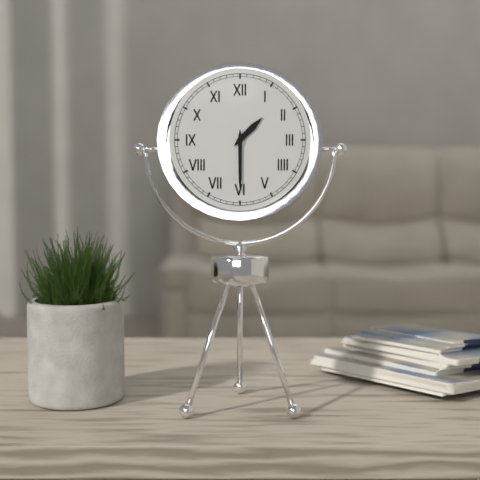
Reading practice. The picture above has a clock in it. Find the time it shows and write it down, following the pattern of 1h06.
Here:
1h30
